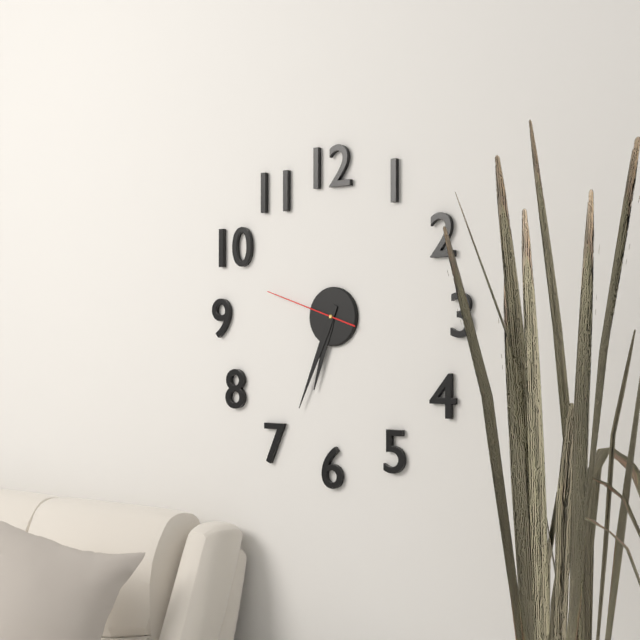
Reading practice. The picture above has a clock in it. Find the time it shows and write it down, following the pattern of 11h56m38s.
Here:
6h34m48s
